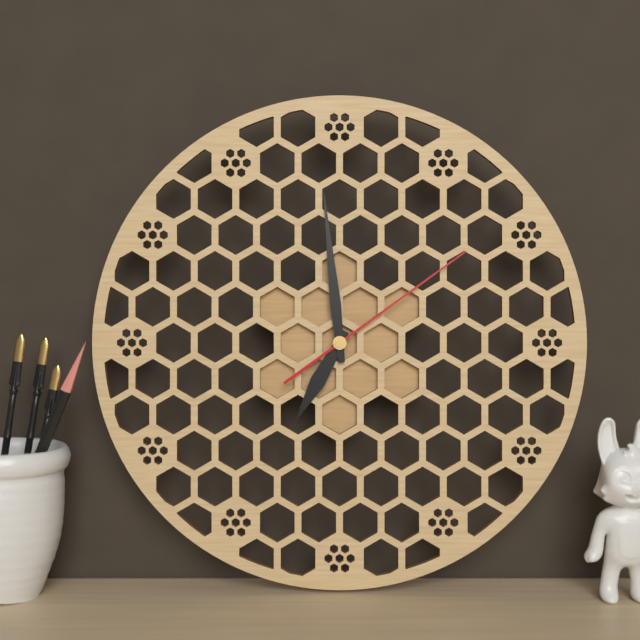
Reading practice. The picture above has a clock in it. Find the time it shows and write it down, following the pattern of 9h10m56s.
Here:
6h59m09s
